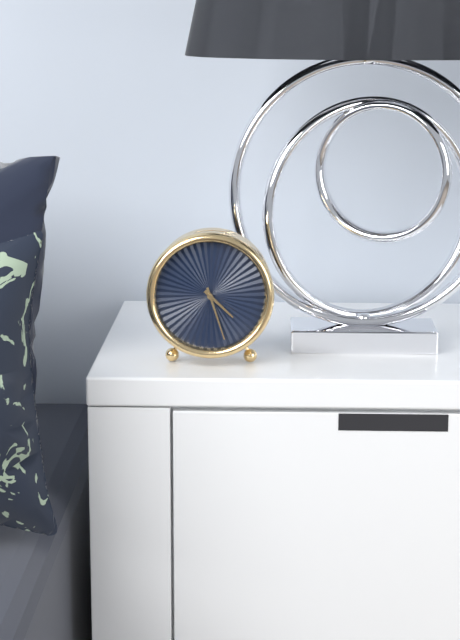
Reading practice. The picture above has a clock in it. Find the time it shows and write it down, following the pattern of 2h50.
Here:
4h27
